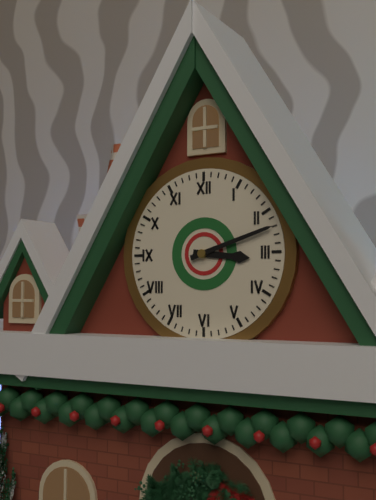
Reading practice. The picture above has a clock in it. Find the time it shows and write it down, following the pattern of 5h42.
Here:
3h12
